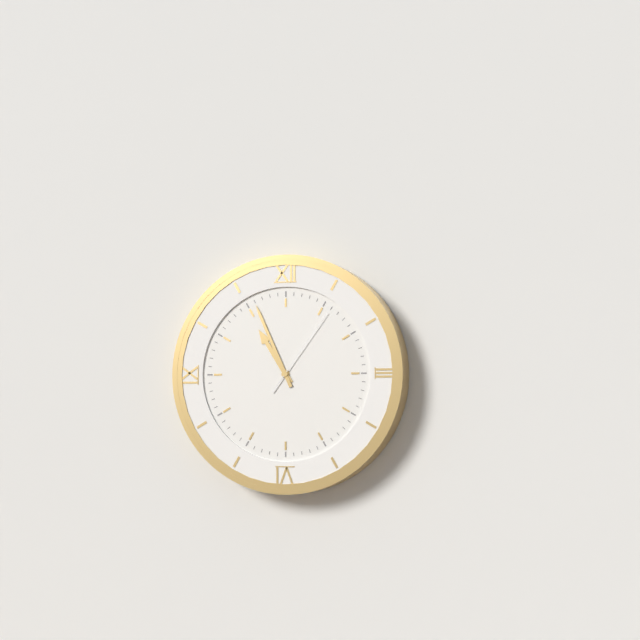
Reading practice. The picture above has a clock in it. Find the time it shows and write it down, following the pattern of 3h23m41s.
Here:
10h56m06s
